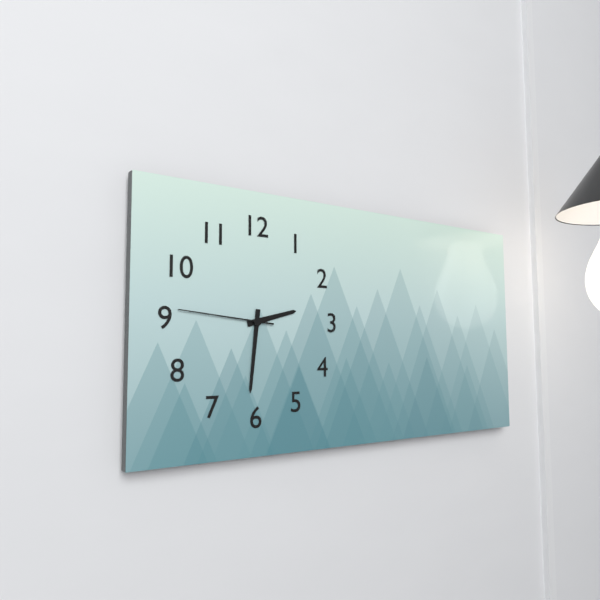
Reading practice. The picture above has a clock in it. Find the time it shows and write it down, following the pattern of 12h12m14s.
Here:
2h31m46s
